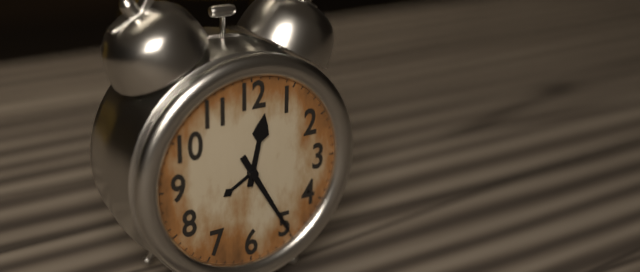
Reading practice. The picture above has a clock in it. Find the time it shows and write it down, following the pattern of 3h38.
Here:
12h25
